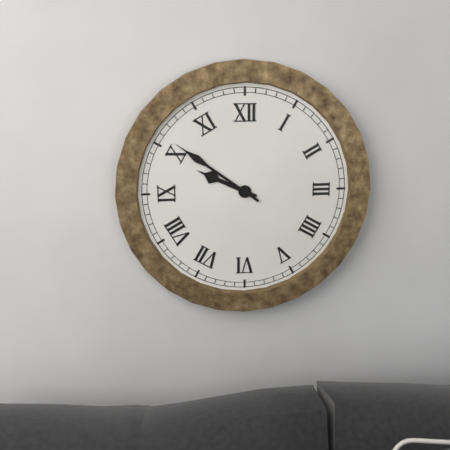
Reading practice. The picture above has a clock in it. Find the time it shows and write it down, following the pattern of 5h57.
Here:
9h51
